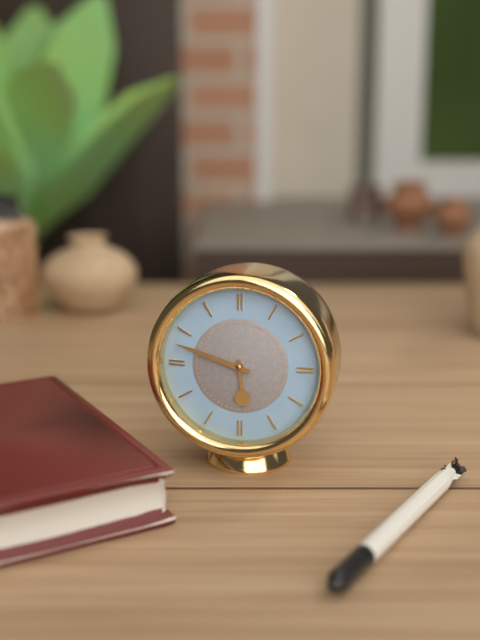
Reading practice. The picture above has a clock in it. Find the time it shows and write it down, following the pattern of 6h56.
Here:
5h48
